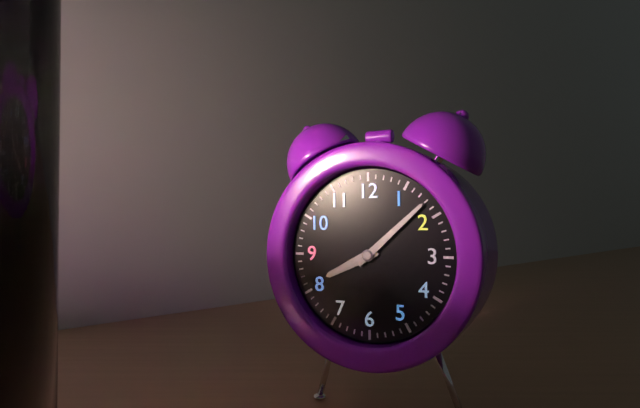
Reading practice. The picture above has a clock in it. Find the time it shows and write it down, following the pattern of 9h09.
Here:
8h08
